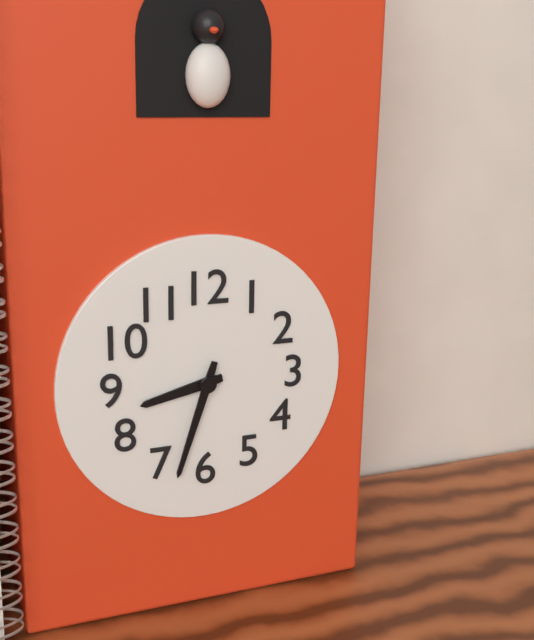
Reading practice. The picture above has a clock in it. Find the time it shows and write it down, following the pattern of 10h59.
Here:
8h33
